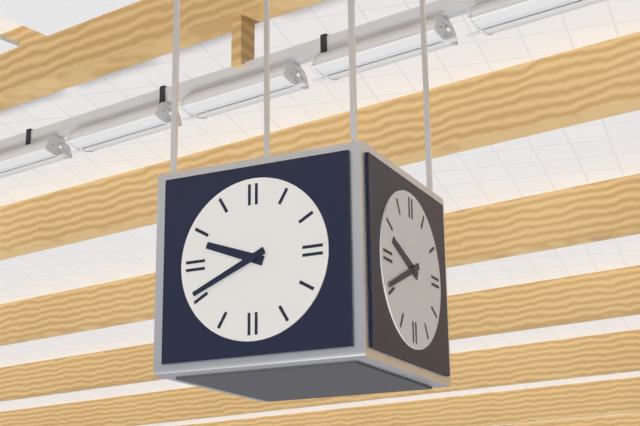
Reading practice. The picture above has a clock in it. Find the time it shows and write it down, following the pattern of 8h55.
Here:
9h41
